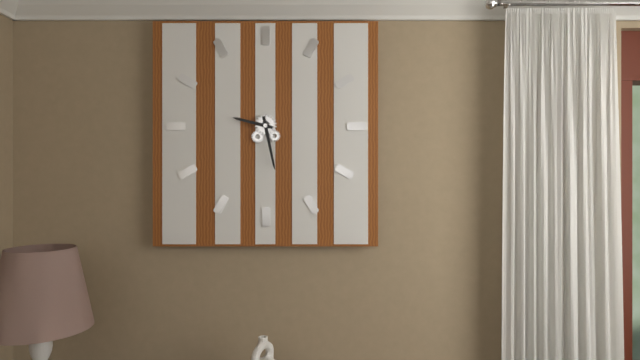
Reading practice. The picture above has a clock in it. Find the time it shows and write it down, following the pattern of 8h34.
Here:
9h28
